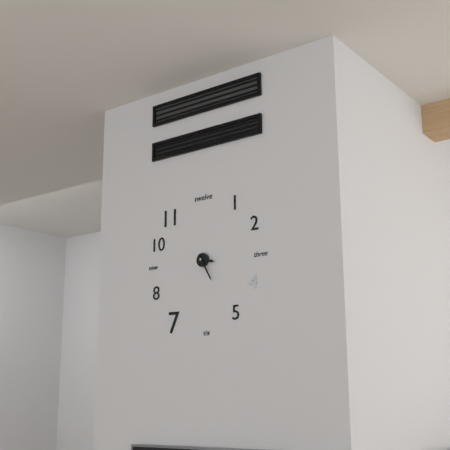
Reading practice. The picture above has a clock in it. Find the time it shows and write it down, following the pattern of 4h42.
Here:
3h25
